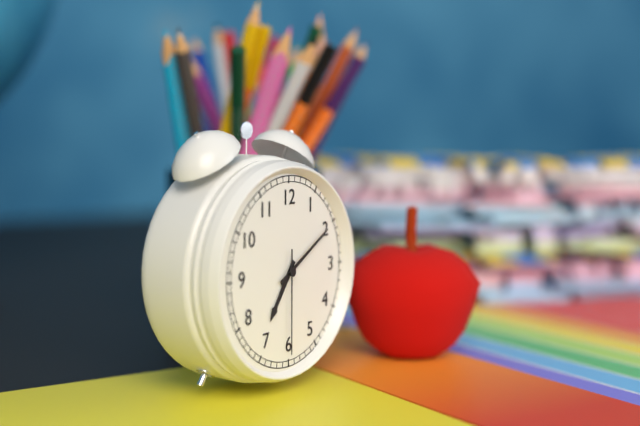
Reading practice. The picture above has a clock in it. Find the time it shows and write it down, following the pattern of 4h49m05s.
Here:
7h10m30s
